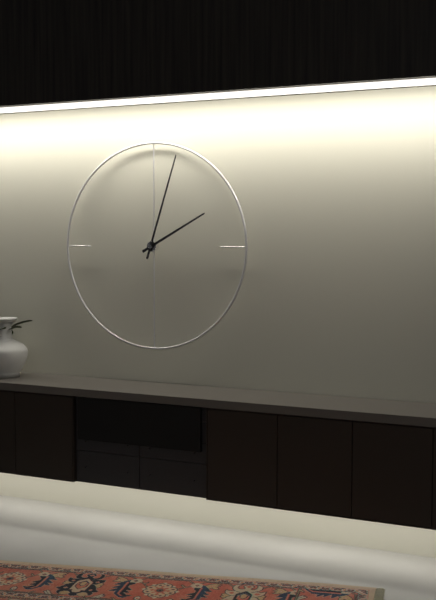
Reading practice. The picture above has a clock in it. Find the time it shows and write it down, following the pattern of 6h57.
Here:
2h03
